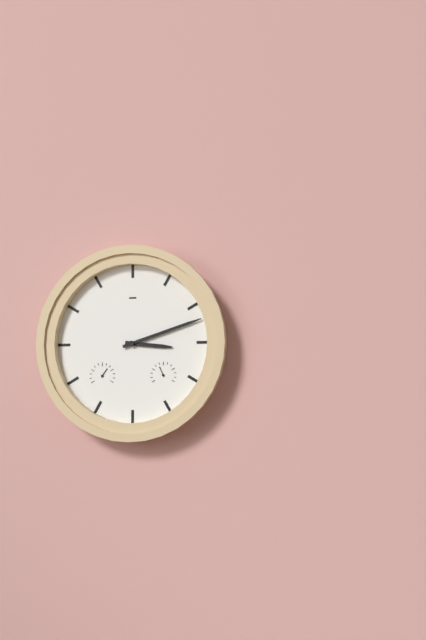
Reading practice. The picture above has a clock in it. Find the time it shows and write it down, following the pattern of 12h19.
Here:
3h12
